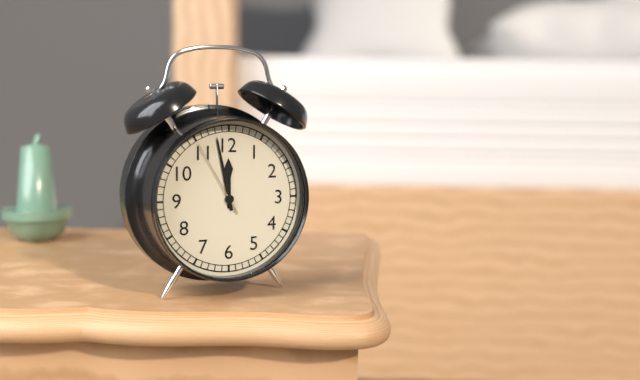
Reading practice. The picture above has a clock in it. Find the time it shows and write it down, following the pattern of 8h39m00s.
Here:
11h58m55s
